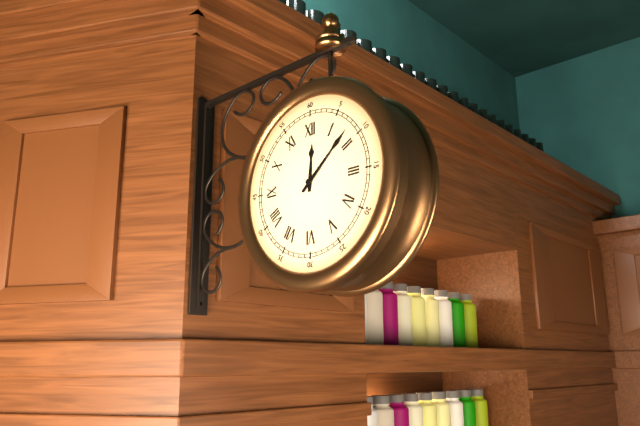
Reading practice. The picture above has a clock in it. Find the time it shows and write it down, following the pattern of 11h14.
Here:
12h08
